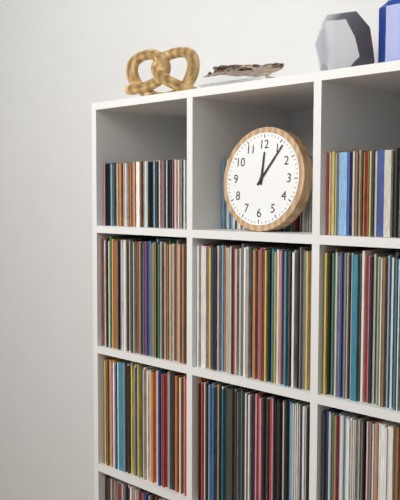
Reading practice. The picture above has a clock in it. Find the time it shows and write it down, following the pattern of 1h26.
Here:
12h06
